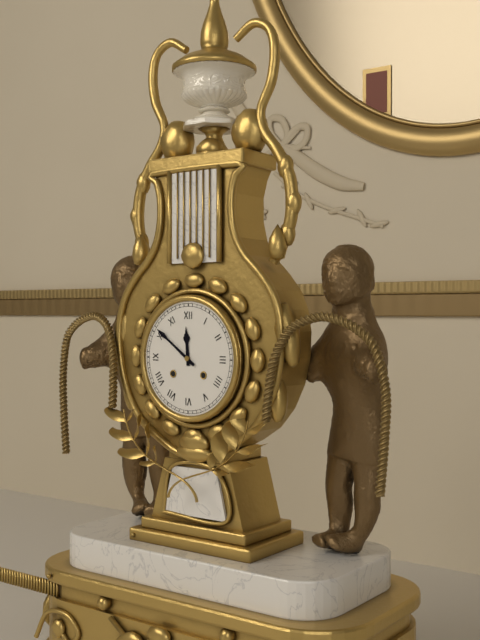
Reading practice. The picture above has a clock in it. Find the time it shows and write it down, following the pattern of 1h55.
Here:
11h51
